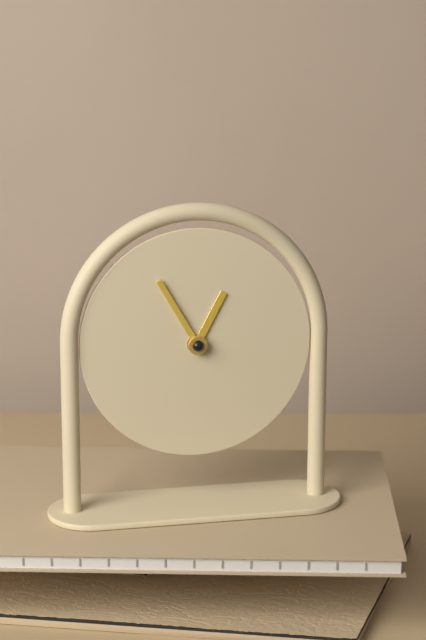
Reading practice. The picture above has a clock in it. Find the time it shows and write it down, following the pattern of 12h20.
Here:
12h55
